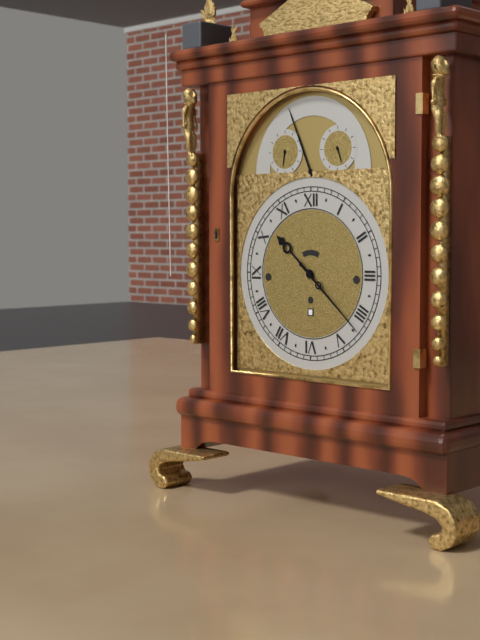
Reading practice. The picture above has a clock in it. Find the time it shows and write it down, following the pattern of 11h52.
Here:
10h22
